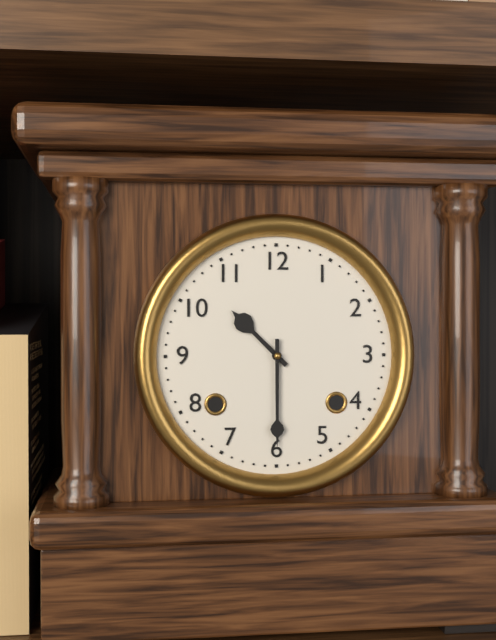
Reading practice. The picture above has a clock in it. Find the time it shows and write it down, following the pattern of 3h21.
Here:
10h30
